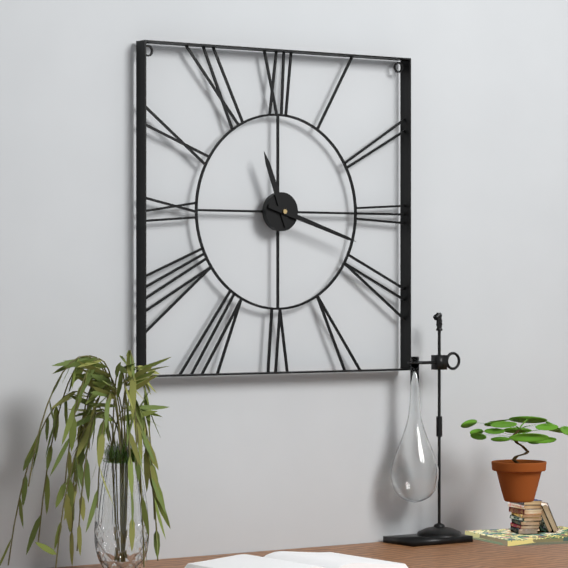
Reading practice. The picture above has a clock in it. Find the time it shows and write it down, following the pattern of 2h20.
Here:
11h18
